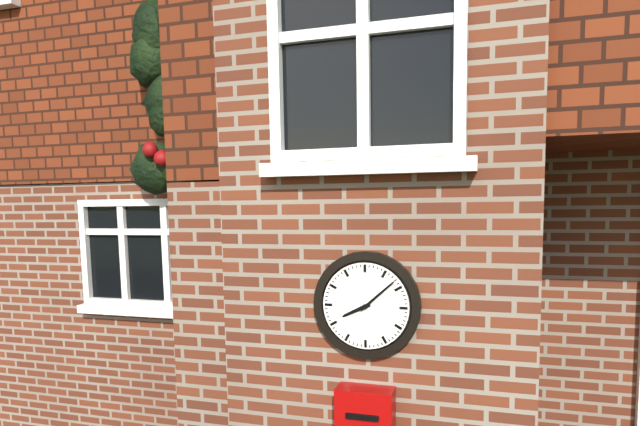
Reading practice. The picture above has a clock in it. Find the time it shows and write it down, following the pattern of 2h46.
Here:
8h08
